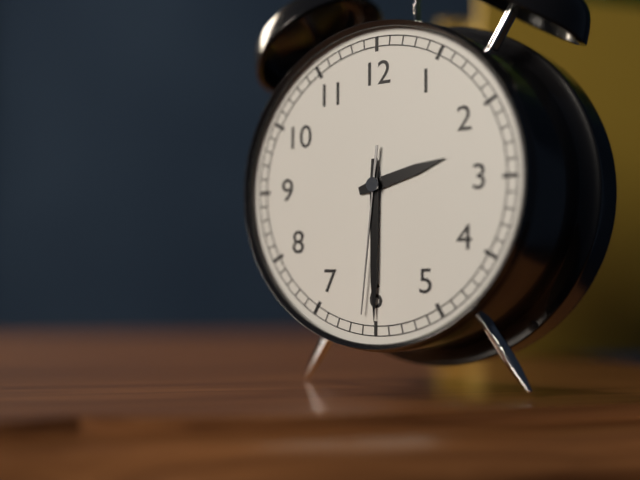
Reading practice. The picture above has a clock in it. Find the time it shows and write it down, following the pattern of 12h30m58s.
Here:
2h30m31s
